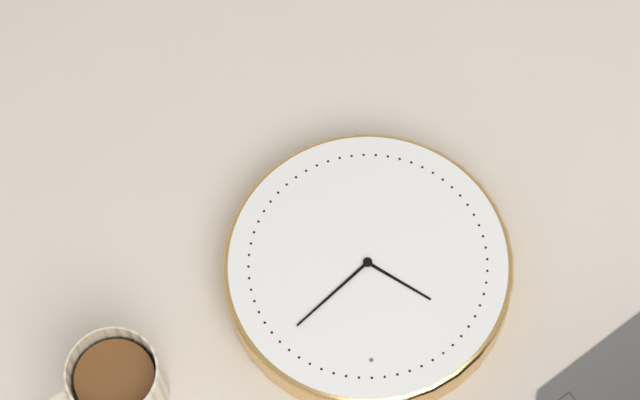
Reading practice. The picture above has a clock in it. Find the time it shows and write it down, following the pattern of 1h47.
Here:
10h08
